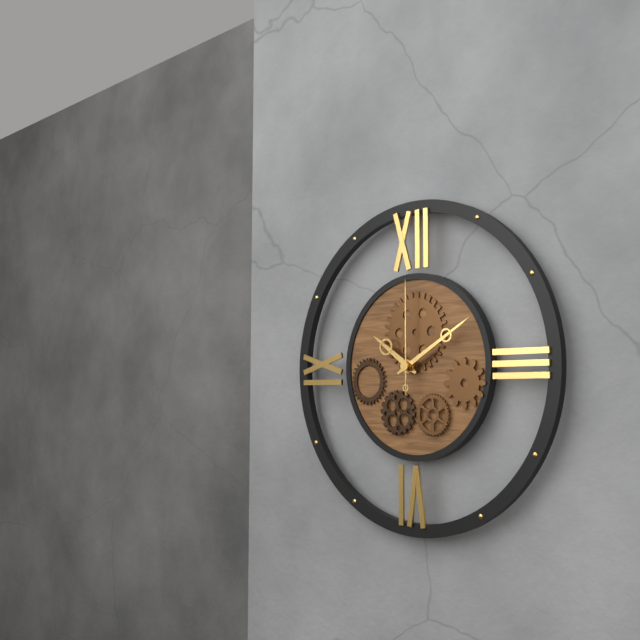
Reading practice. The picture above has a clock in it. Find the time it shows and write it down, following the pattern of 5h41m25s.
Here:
10h10m00s
